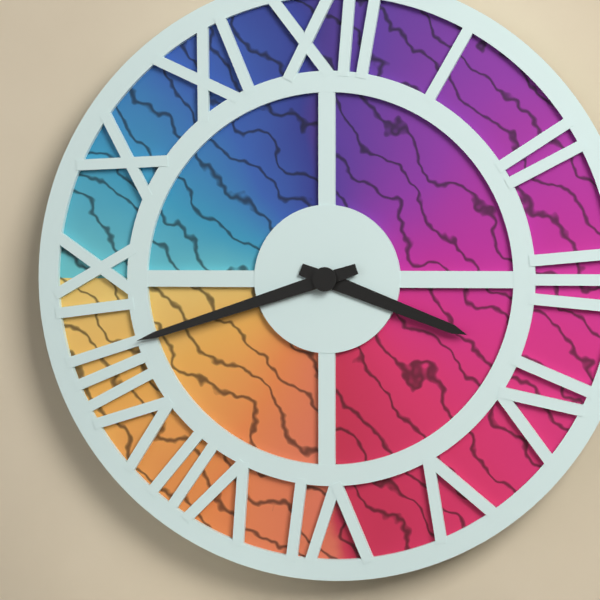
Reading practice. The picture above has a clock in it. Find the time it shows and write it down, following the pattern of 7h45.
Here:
3h42
